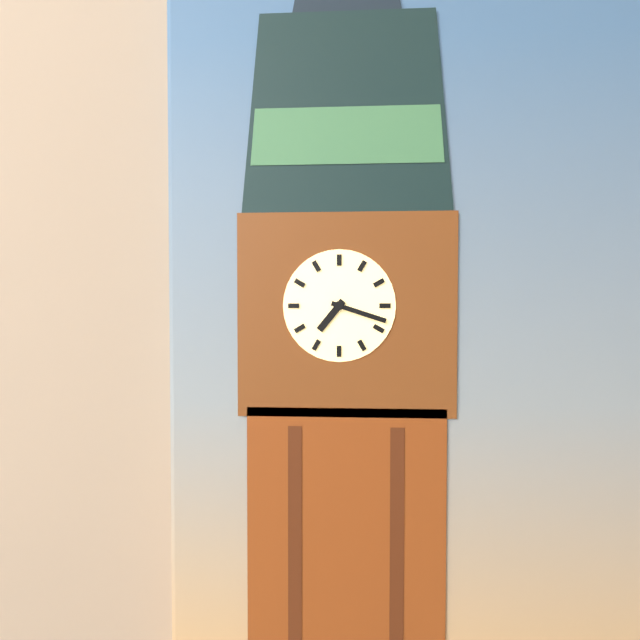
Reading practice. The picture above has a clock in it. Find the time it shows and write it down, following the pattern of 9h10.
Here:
7h18
